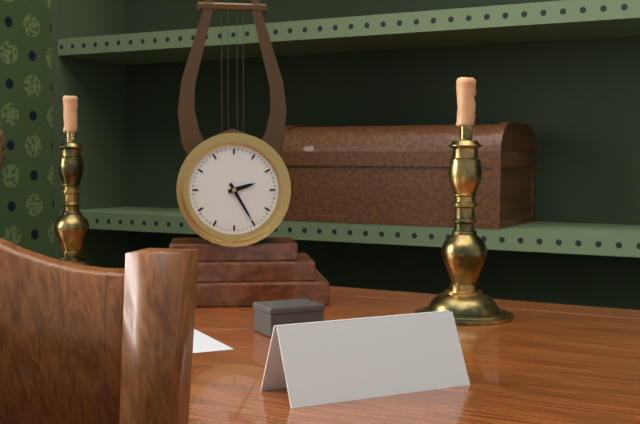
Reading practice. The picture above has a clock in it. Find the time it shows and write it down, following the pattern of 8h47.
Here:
2h25
